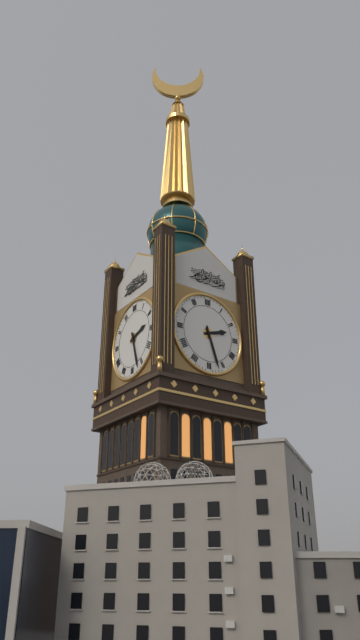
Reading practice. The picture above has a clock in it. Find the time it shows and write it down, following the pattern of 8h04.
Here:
2h27
